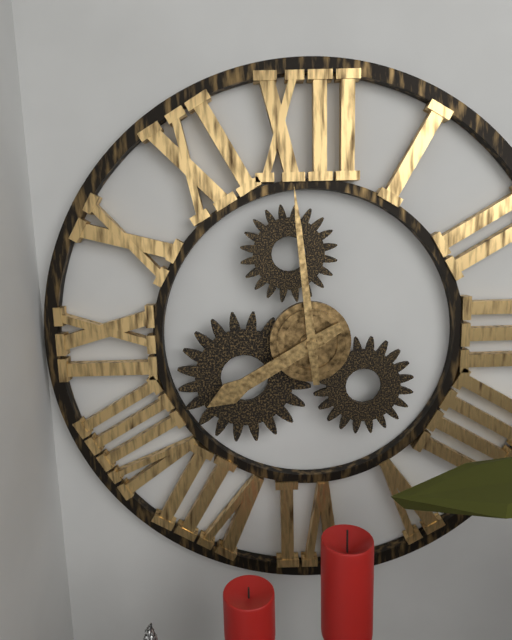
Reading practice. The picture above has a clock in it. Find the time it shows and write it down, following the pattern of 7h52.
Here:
7h59
